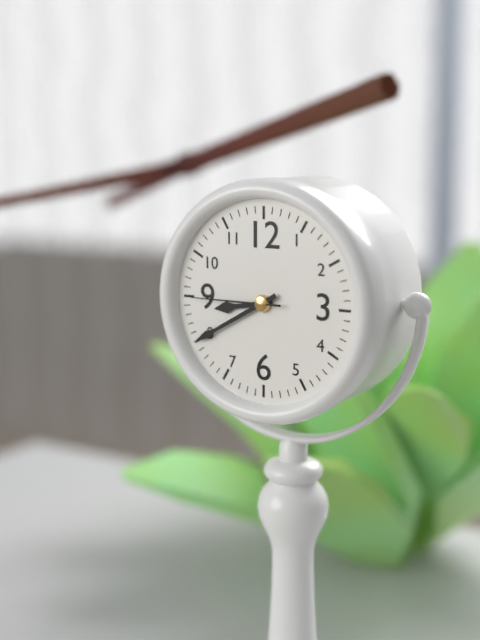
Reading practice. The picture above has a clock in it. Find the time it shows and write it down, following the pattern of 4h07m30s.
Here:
8h40m45s
